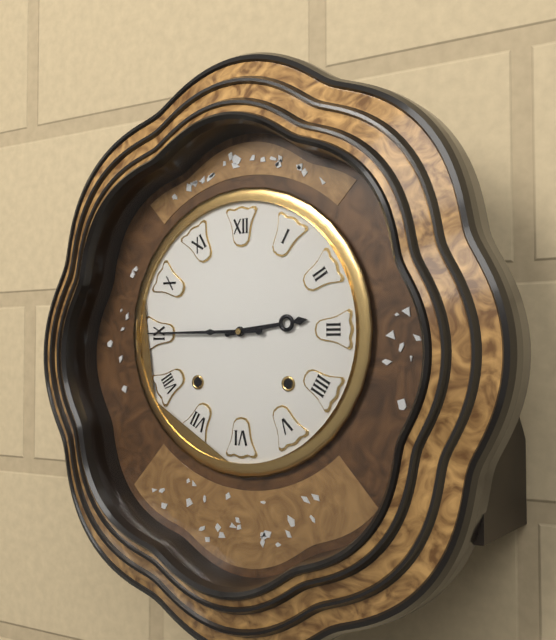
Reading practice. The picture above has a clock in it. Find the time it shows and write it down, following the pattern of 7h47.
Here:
2h45
